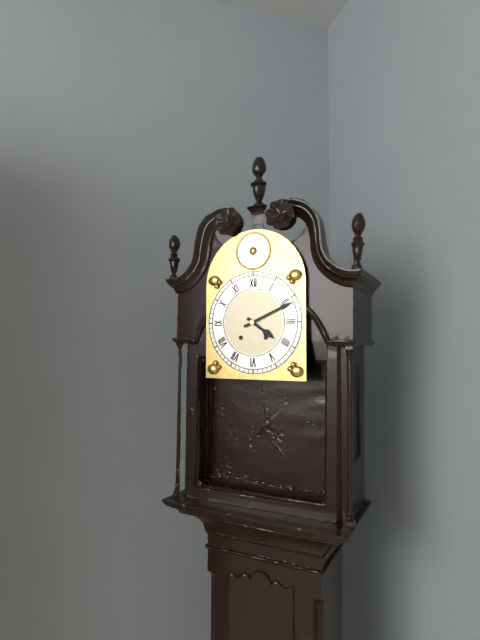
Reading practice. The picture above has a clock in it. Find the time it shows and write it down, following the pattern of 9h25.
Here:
4h11
